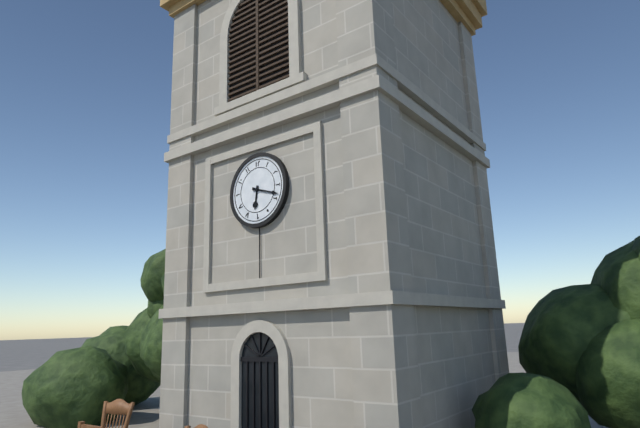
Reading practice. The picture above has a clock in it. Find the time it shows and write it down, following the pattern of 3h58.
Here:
6h18
